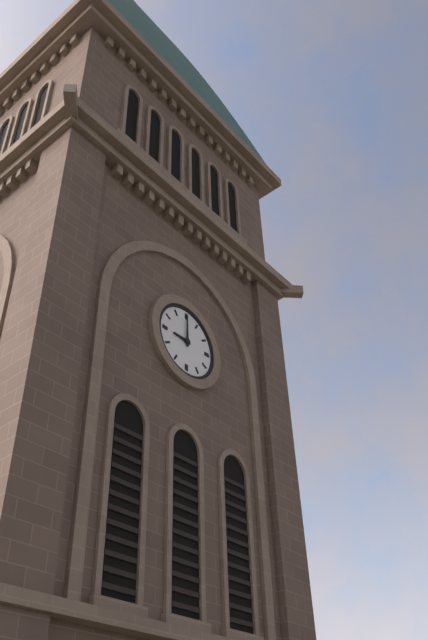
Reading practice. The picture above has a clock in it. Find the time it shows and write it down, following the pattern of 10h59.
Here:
9h00
